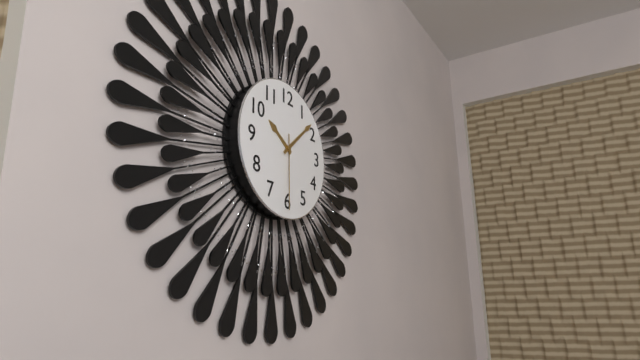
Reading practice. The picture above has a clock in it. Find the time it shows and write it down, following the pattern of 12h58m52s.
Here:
10h08m30s
